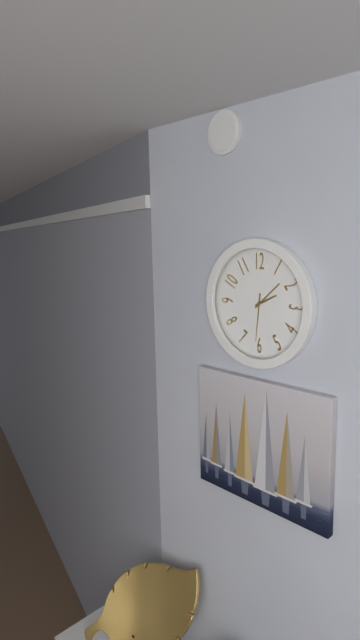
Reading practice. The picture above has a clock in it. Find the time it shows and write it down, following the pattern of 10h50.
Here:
2h08
